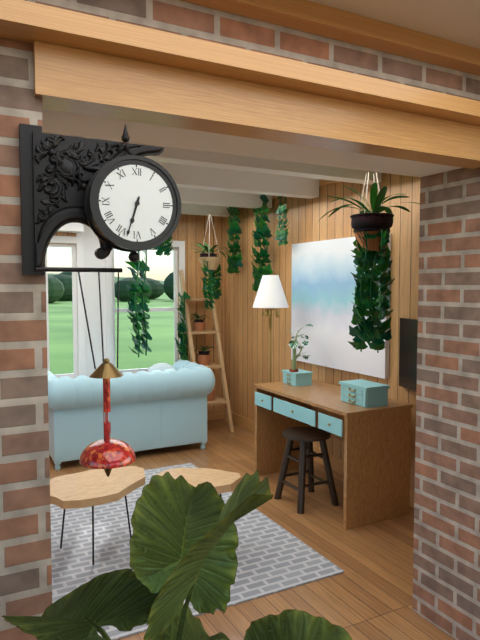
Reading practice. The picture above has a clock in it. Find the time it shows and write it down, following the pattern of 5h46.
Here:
6h33
